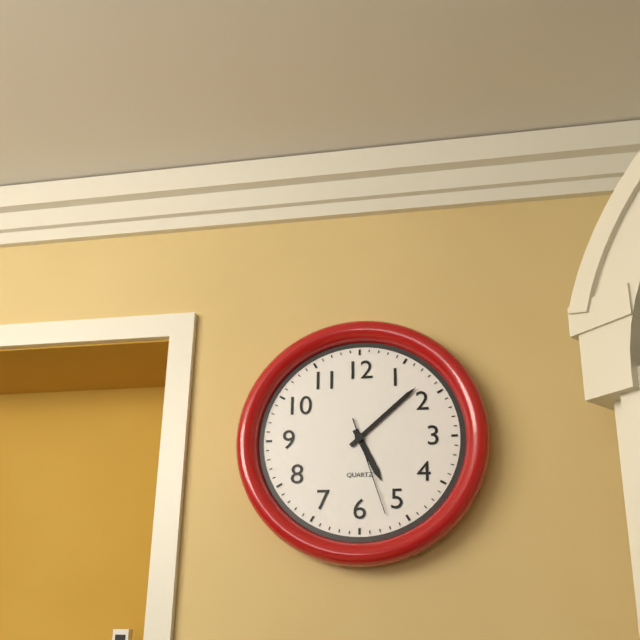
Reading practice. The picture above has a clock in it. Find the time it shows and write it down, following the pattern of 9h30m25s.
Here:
5h08m27s
